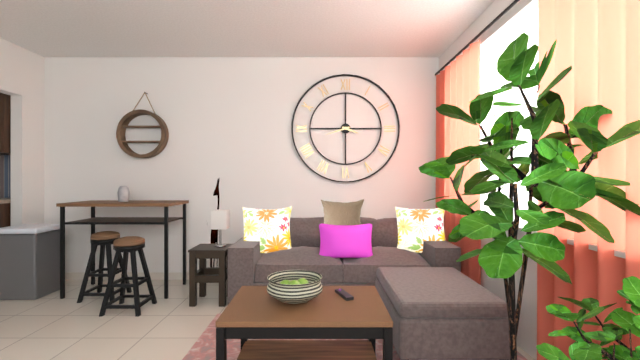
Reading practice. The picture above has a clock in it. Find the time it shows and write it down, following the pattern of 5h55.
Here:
3h42
